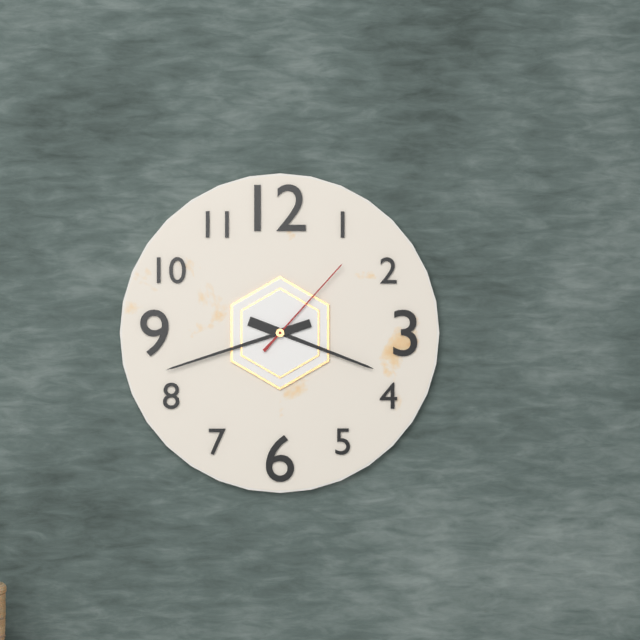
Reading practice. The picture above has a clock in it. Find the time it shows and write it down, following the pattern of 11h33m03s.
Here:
3h42m07s
